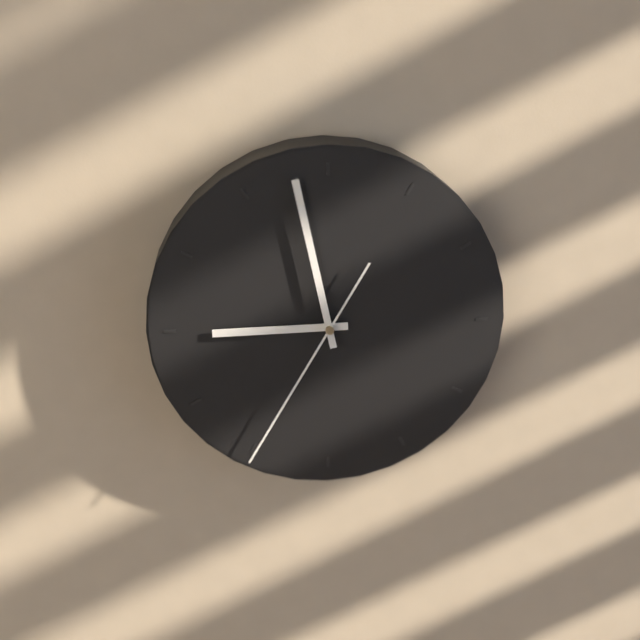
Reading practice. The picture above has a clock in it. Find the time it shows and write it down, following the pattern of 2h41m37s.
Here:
8h58m35s
